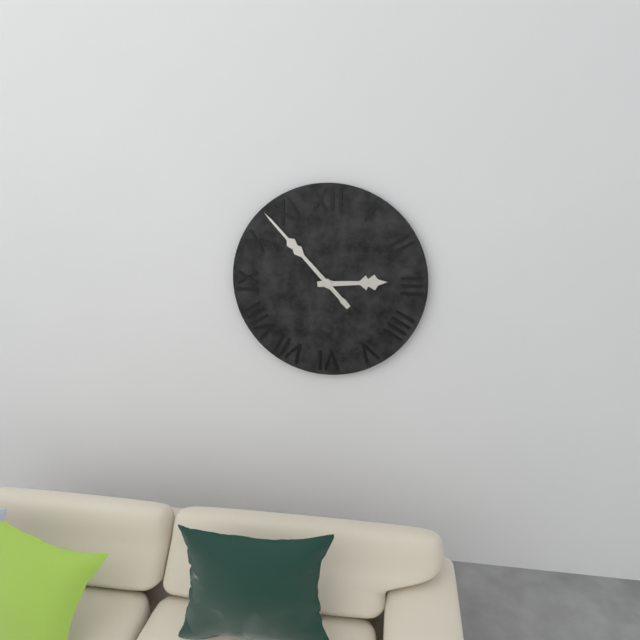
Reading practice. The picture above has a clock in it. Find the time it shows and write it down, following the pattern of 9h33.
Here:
2h53
